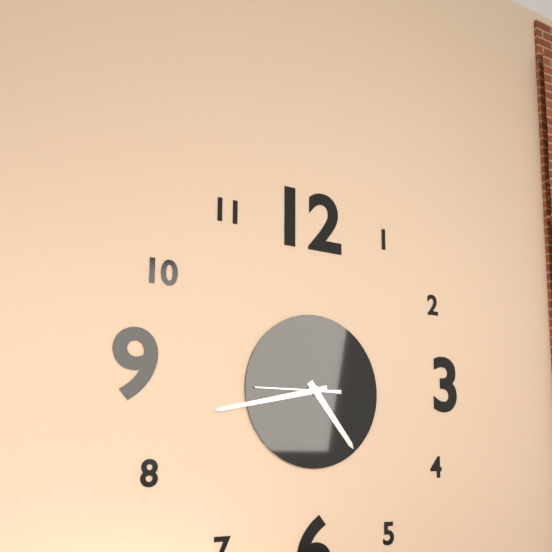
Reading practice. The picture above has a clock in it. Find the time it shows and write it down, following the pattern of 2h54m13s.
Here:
4h43m45s
